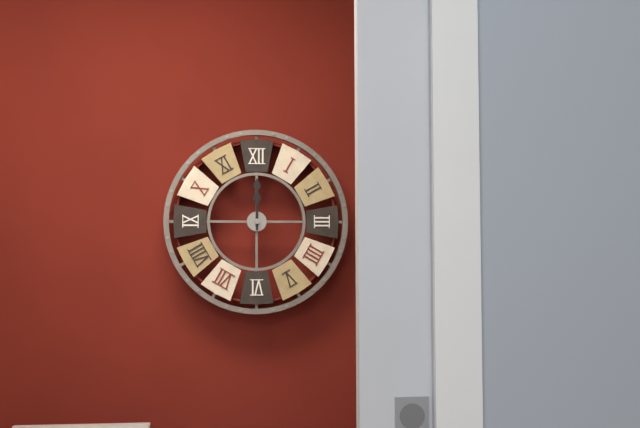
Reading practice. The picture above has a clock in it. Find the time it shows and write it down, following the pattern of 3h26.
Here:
12h00
